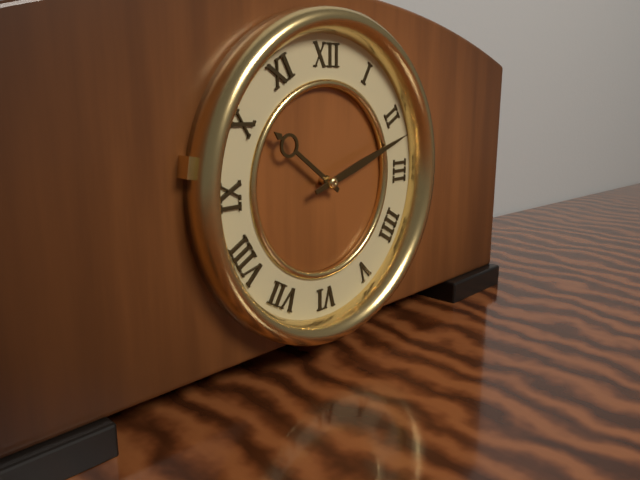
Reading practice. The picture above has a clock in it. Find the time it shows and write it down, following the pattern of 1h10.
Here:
10h12
